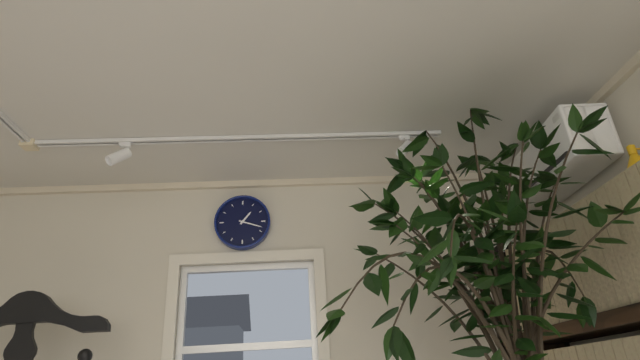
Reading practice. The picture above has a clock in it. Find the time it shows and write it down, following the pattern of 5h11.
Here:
1h18
